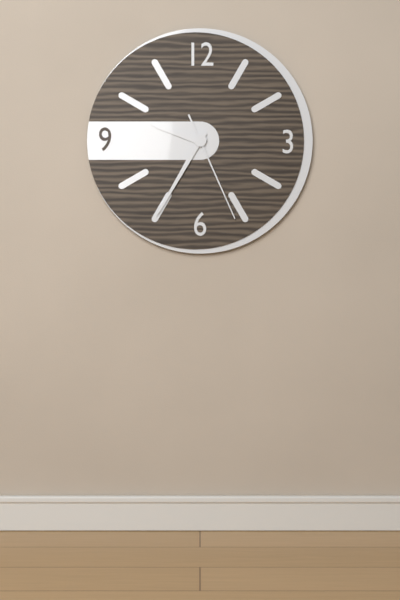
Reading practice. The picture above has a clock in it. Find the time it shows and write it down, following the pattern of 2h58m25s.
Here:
9h35m26s
